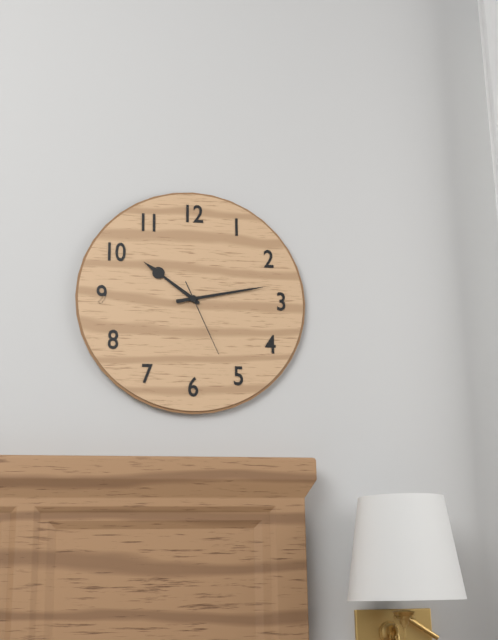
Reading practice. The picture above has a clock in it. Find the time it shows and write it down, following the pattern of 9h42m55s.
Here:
10h13m26s
